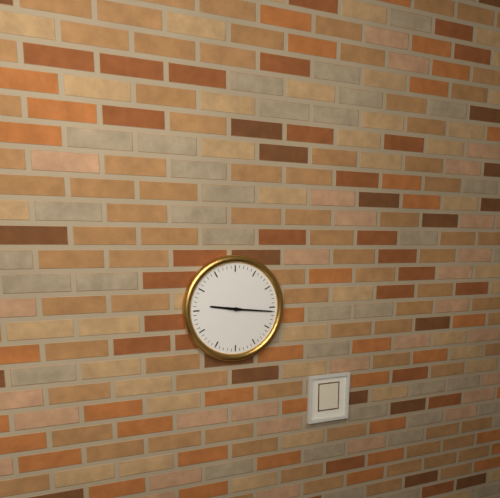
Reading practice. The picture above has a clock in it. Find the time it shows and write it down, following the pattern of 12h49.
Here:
9h16
